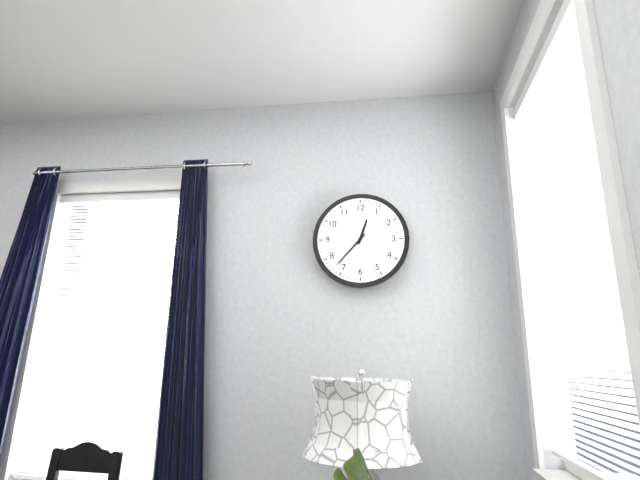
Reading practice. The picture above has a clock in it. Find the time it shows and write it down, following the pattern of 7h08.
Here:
12h37
